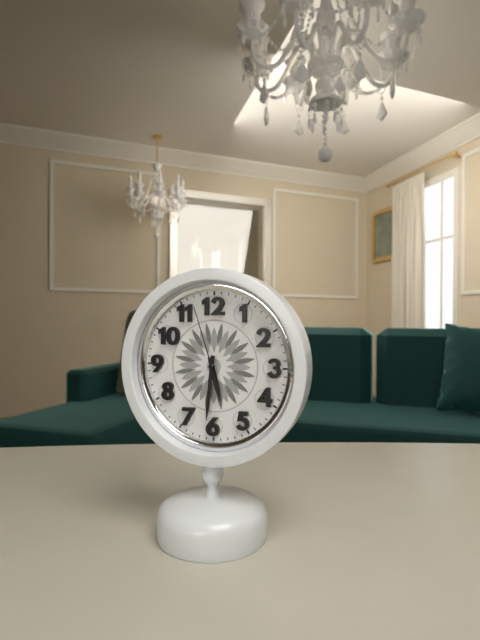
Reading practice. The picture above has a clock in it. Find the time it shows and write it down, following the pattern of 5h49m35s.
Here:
5h31m57s
